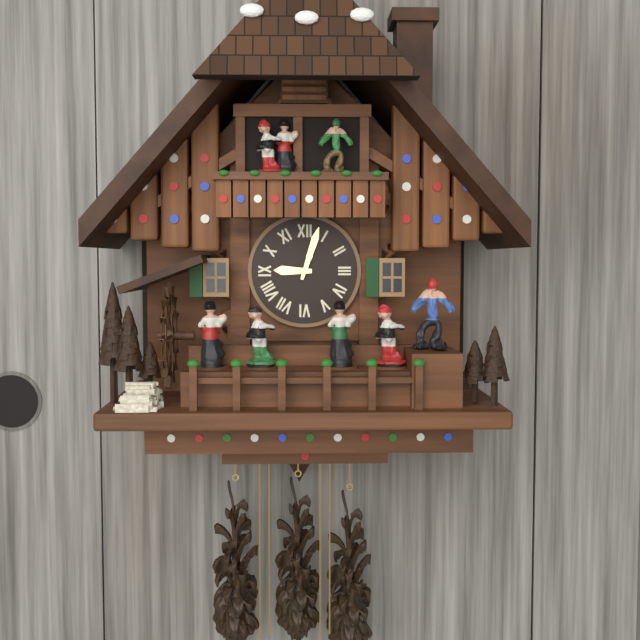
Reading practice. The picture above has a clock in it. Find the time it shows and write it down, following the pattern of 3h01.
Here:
9h03
